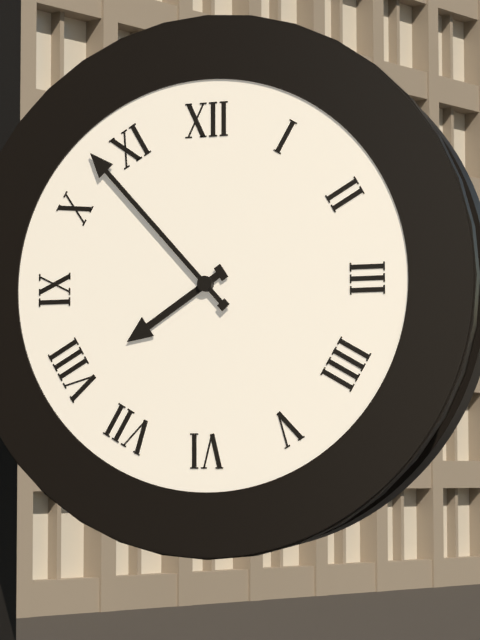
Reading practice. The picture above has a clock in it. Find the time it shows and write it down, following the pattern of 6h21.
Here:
7h53
